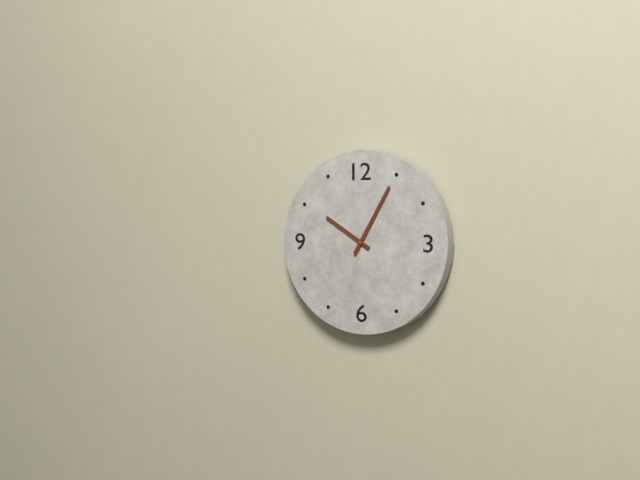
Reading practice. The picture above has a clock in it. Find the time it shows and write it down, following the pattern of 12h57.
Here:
10h05
